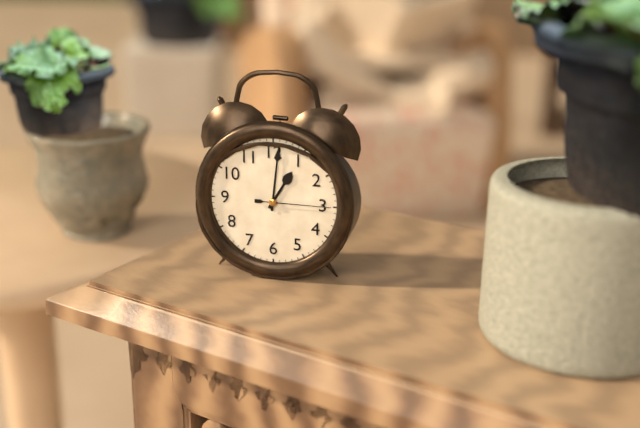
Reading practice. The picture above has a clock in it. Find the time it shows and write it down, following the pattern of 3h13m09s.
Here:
1h01m15s
